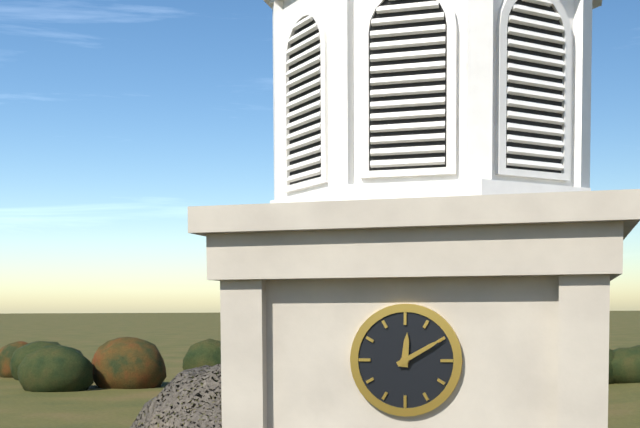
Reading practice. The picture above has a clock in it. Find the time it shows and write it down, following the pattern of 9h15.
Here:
12h10
